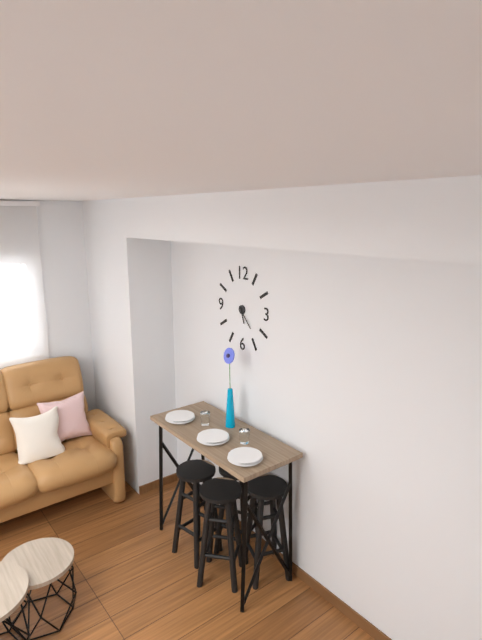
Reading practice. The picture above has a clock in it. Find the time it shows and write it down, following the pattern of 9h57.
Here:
5h23
